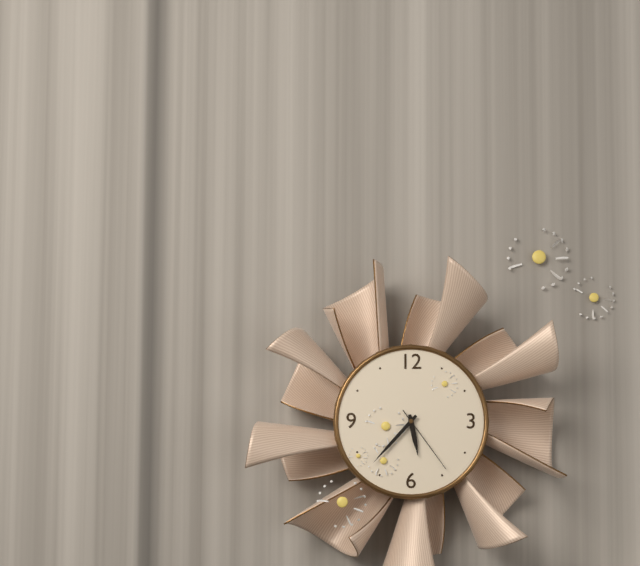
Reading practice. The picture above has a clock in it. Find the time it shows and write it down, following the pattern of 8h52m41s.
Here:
5h37m24s
